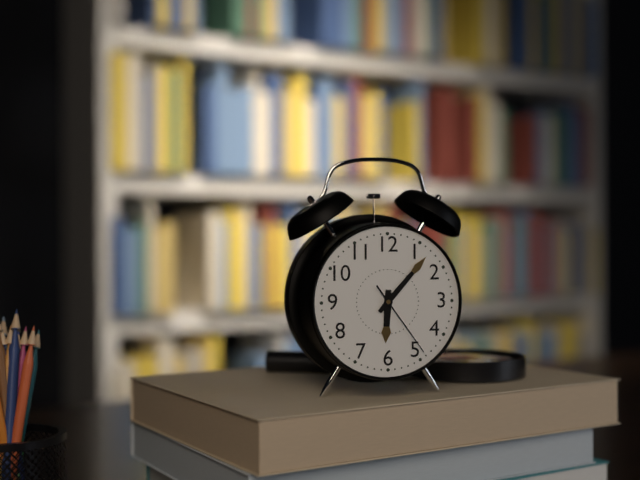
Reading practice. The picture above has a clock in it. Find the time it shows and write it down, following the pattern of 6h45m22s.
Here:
6h07m24s
